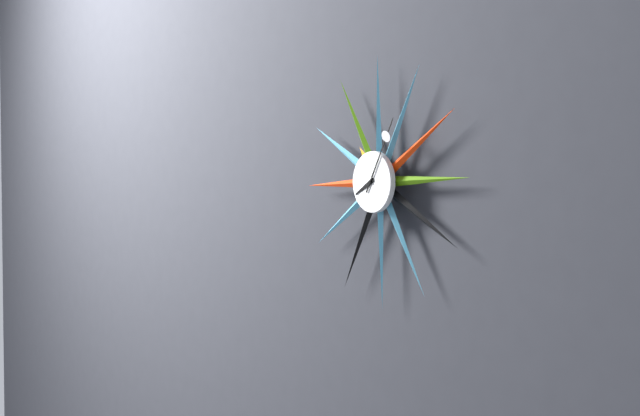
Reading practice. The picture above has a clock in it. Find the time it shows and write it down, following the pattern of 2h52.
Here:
8h05
